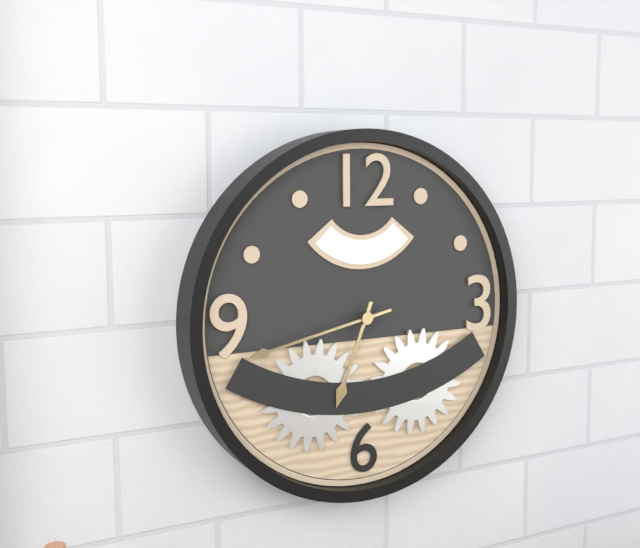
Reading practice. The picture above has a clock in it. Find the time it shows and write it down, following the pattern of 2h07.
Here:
6h43
